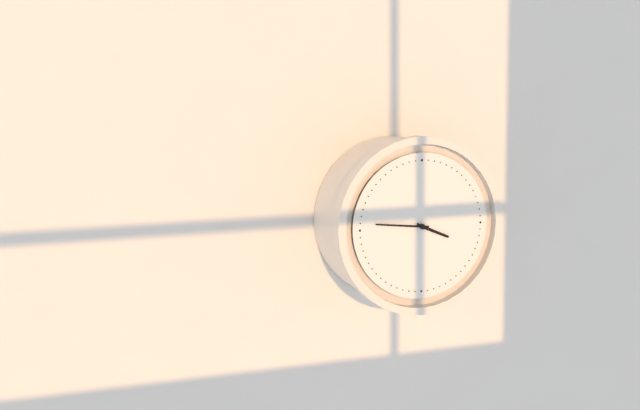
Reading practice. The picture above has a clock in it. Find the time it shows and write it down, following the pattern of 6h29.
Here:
3h46
